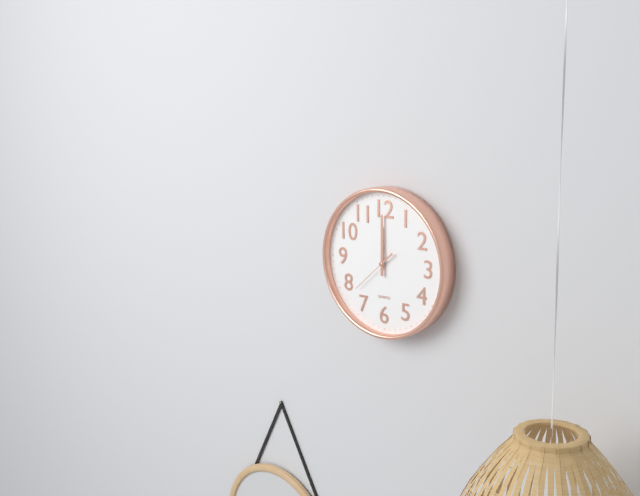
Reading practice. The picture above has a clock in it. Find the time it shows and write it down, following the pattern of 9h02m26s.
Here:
12h00m38s
